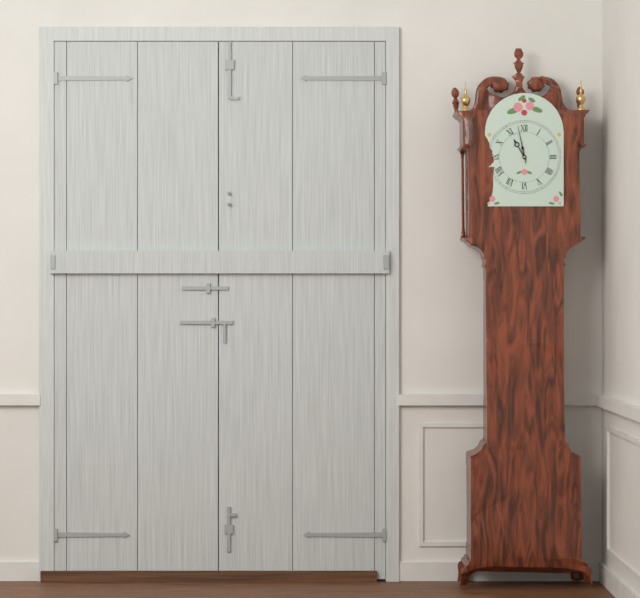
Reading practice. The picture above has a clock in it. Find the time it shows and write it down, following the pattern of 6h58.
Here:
10h58
